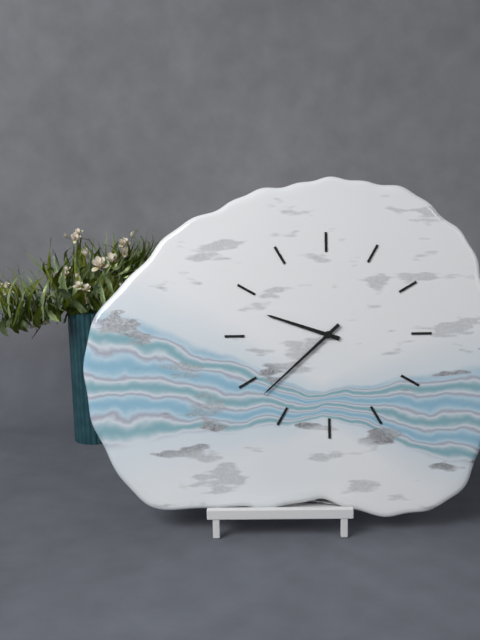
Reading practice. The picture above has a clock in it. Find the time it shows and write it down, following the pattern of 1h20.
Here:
9h38
